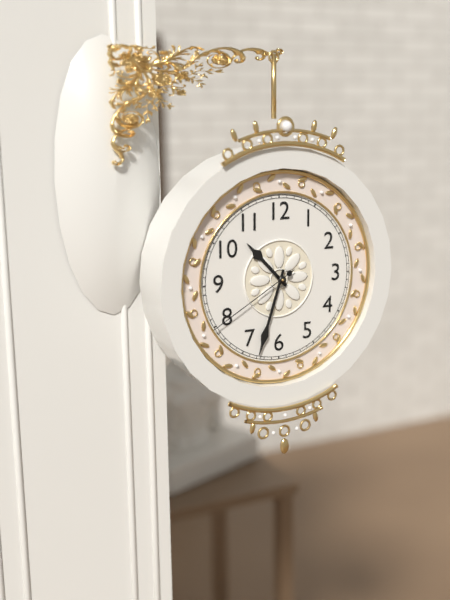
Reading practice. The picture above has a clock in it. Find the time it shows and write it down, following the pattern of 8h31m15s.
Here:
10h33m40s
